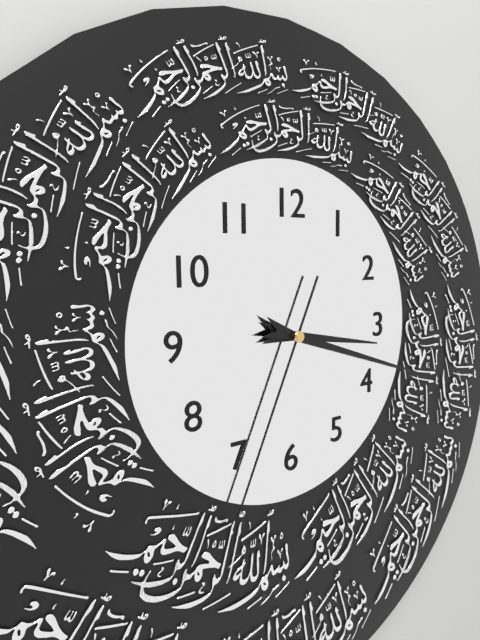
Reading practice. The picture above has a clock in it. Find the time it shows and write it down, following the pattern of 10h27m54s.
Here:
3h18m34s
